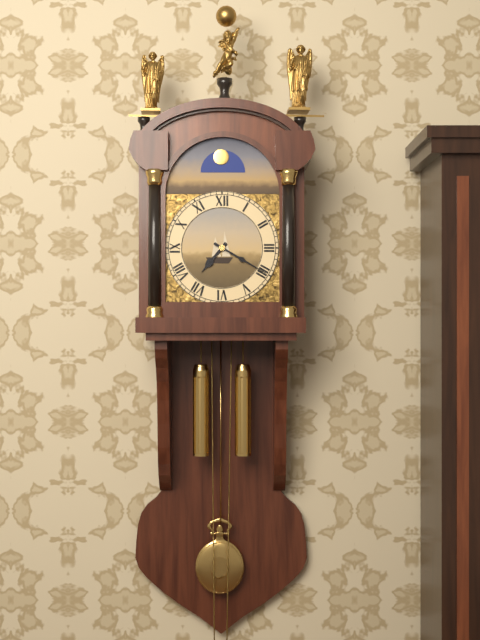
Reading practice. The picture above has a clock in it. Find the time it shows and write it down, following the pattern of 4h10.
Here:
7h20
